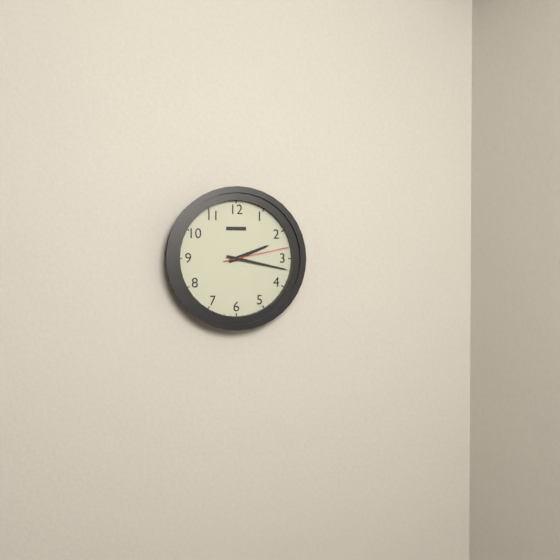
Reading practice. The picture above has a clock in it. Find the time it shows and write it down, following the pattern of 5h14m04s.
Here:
2h17m13s
